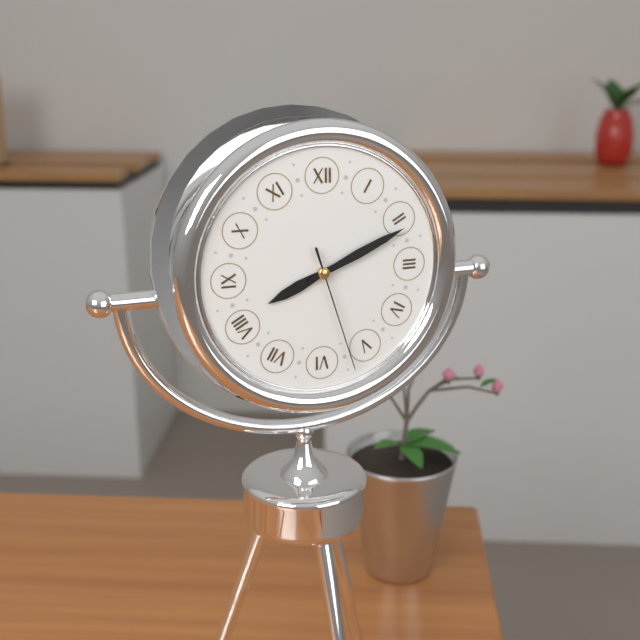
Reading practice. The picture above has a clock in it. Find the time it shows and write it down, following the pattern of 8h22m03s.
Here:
8h11m27s
